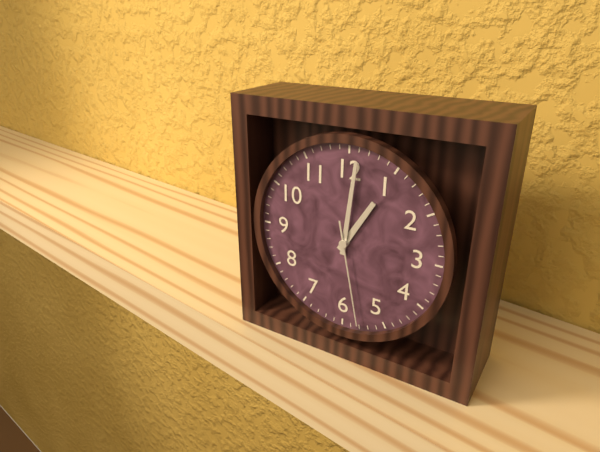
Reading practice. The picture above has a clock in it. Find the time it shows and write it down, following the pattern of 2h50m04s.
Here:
1h01m28s
